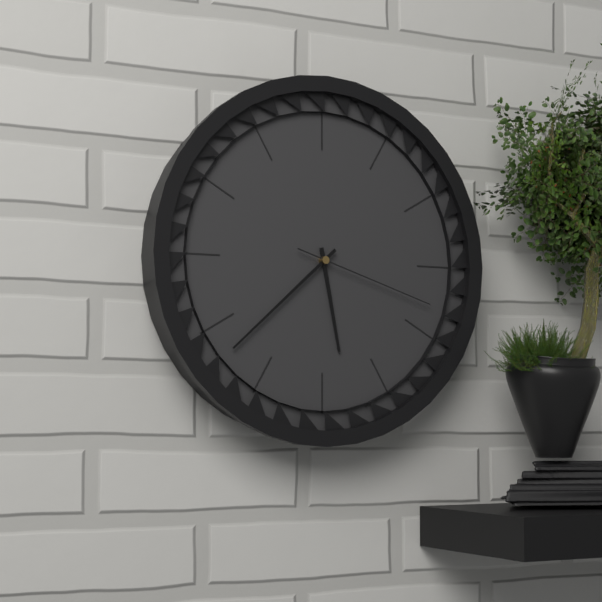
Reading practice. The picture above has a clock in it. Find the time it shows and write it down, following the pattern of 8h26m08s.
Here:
5h38m18s
